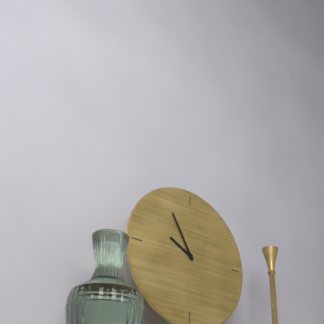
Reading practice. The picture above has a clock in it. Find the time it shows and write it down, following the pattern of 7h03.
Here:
9h55
